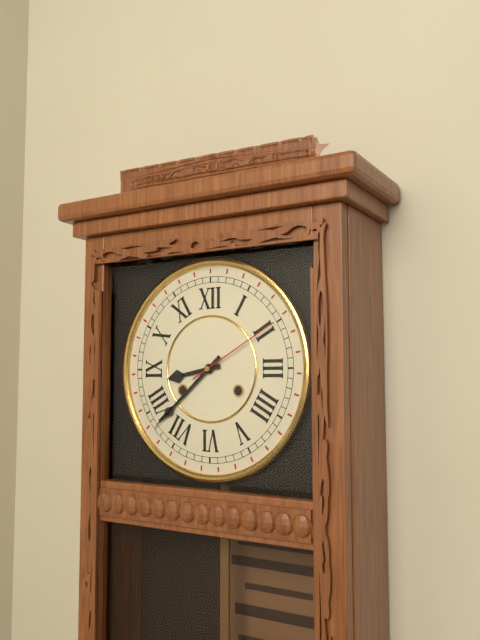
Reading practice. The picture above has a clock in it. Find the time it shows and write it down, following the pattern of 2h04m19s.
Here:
8h38m10s
